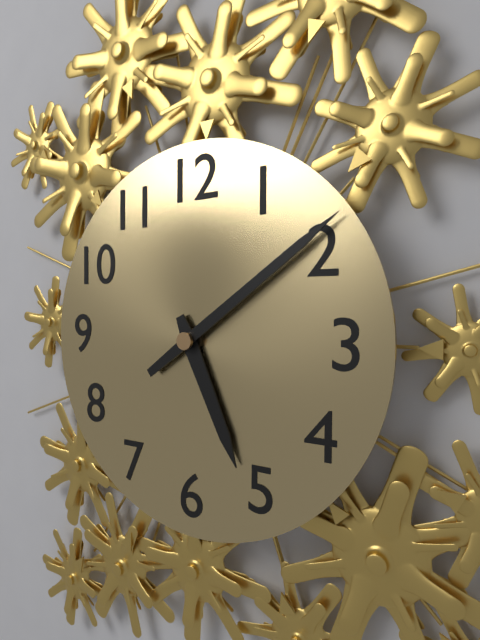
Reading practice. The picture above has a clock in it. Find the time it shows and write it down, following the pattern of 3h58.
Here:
5h09
